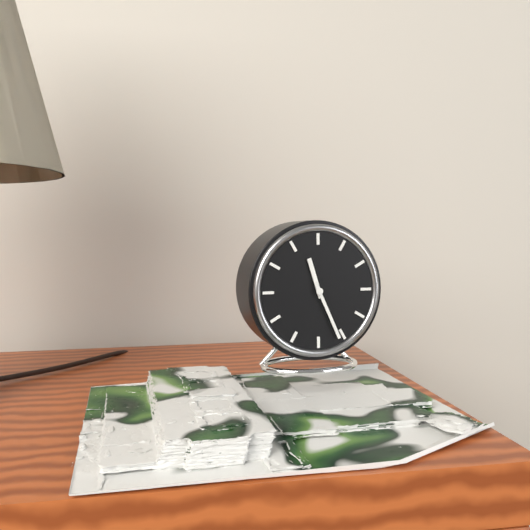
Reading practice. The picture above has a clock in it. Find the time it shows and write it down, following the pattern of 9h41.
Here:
11h26
